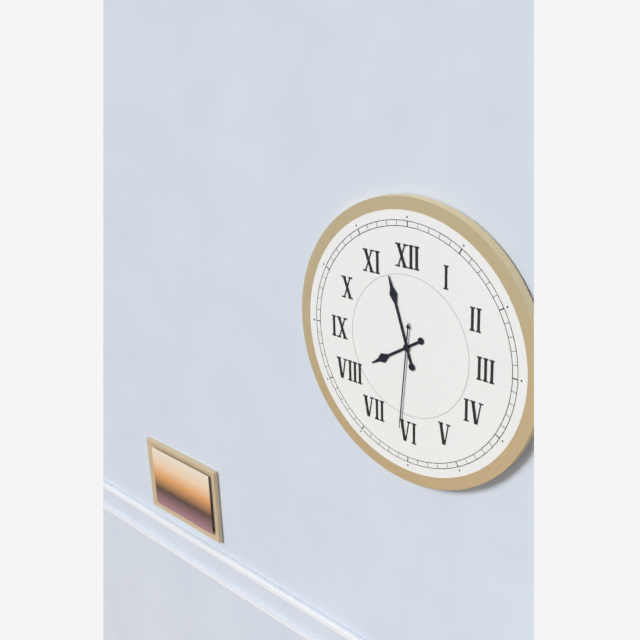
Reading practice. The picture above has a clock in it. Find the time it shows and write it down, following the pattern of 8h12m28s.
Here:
7h57m31s
